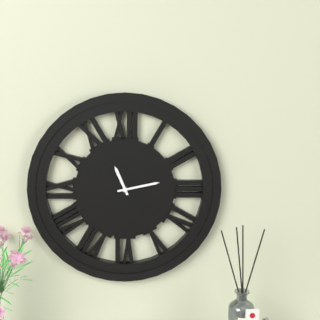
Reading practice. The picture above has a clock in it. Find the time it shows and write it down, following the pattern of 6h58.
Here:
11h13
